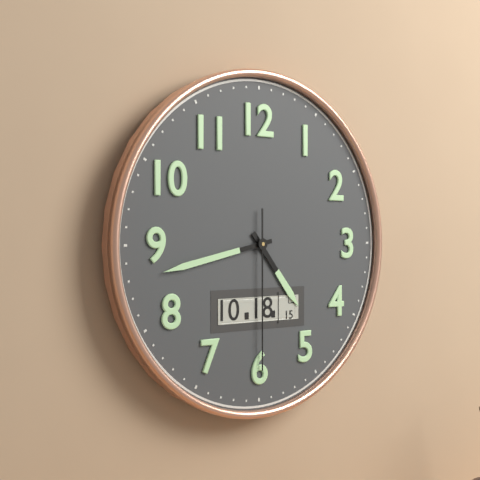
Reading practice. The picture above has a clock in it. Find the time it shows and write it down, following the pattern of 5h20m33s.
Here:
4h43m30s
